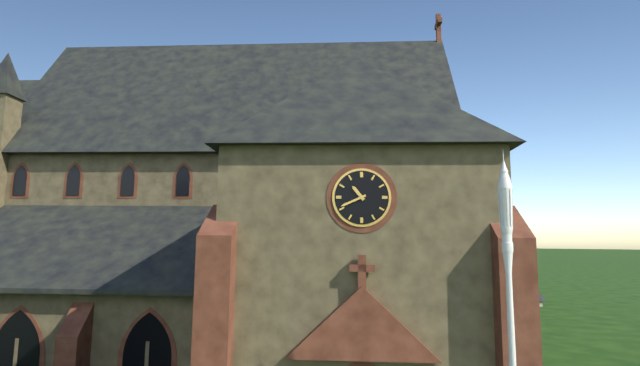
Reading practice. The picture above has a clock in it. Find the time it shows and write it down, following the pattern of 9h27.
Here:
10h41
